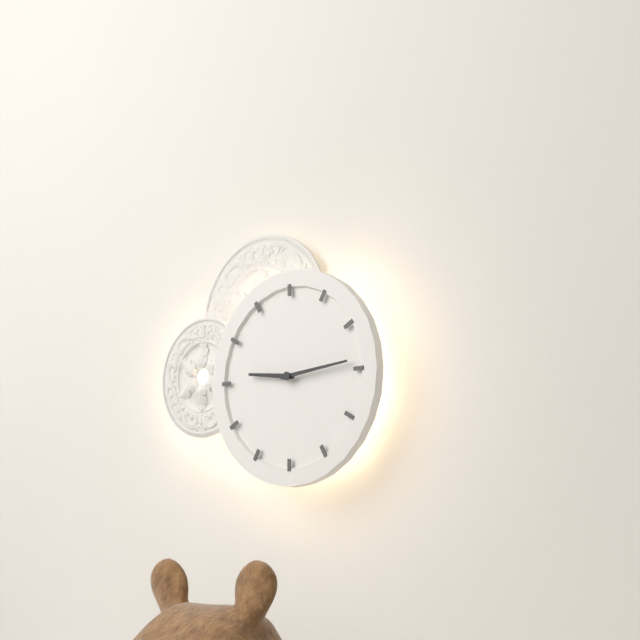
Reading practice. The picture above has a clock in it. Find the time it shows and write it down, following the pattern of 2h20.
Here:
9h14
